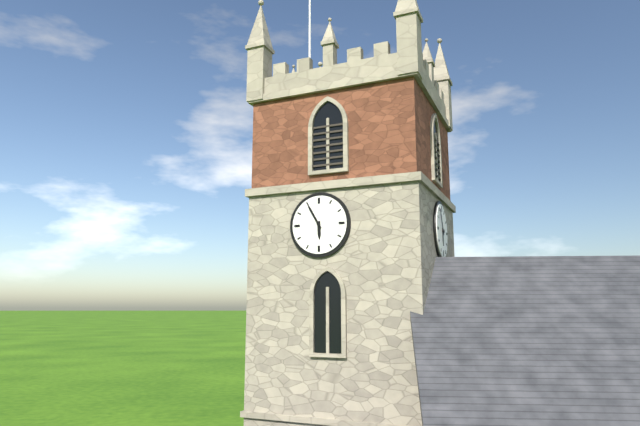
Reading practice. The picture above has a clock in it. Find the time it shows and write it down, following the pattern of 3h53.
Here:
5h55
